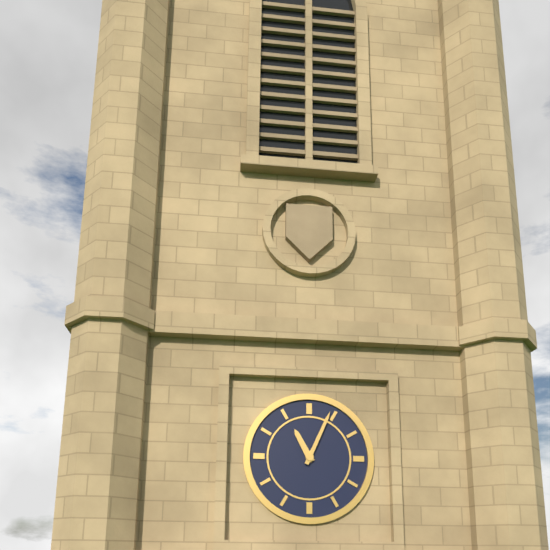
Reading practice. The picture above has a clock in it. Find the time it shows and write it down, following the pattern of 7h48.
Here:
11h04
